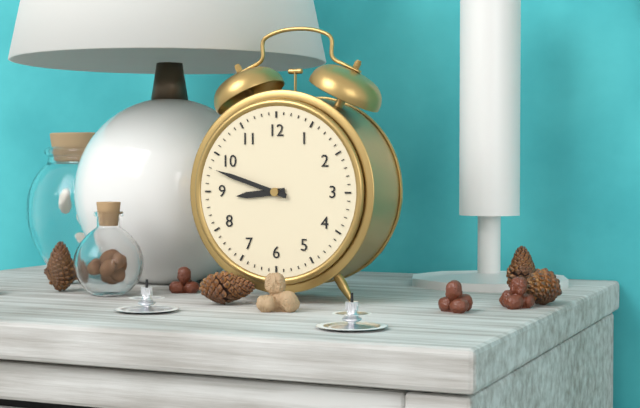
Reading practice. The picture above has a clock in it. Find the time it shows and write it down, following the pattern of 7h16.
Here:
8h48
